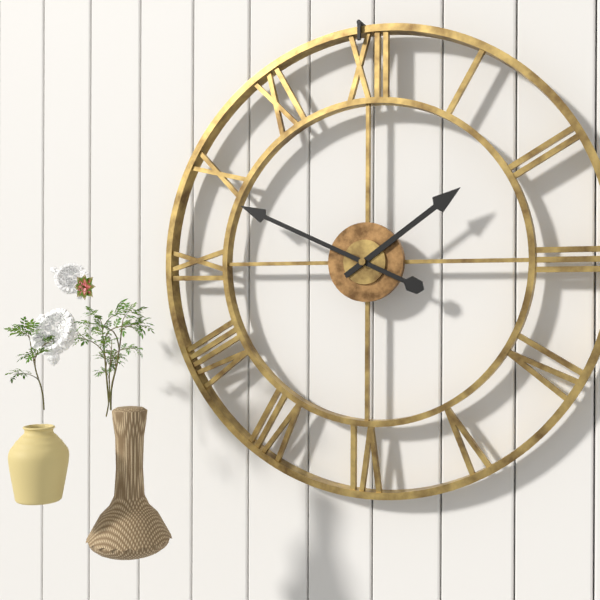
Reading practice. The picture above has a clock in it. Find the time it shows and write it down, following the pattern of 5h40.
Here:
1h49
